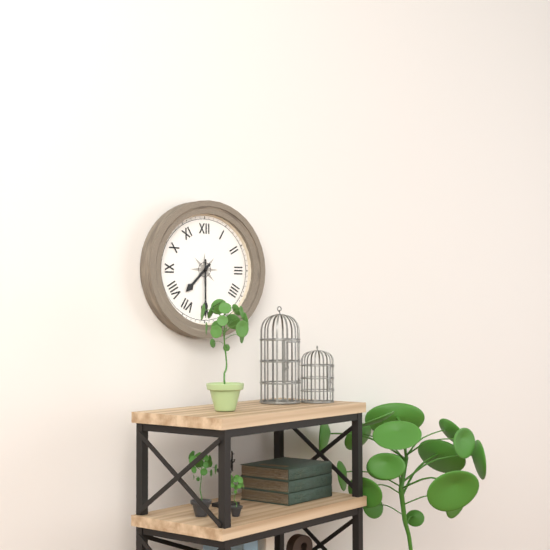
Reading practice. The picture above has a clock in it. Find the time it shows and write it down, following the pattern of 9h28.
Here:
7h30
